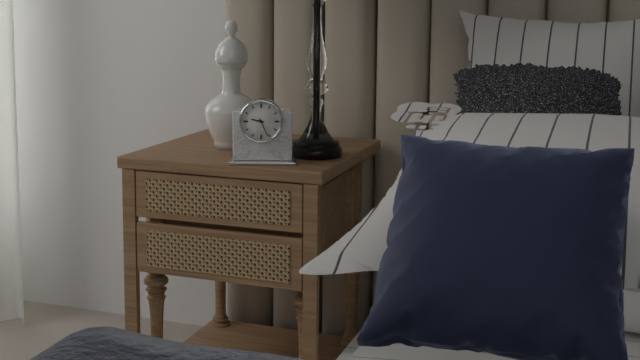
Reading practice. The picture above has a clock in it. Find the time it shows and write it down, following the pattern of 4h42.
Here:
9h26
